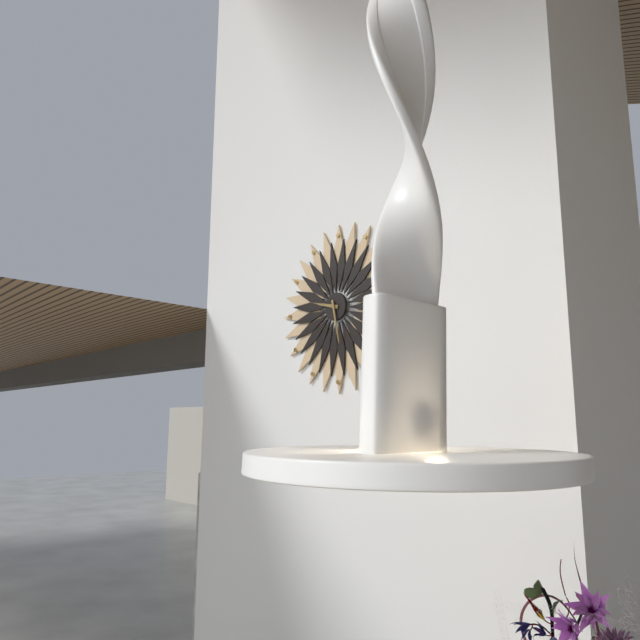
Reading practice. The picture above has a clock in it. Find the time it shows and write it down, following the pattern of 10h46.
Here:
9h28
